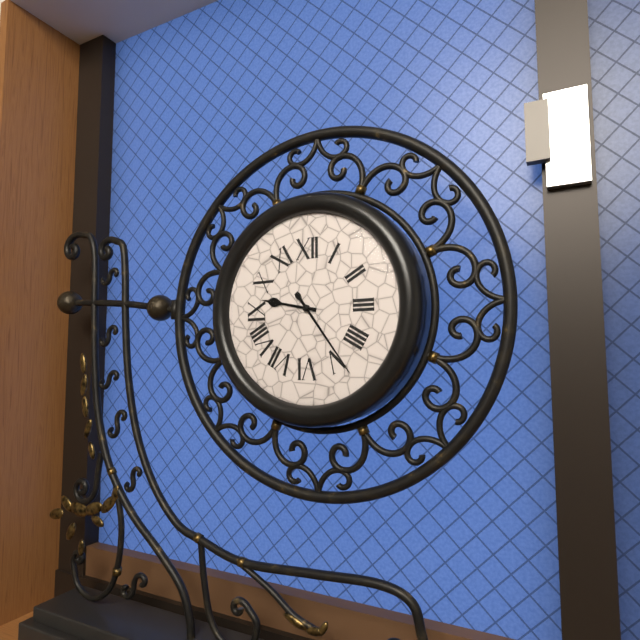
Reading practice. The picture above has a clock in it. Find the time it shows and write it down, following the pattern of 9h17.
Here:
9h24
